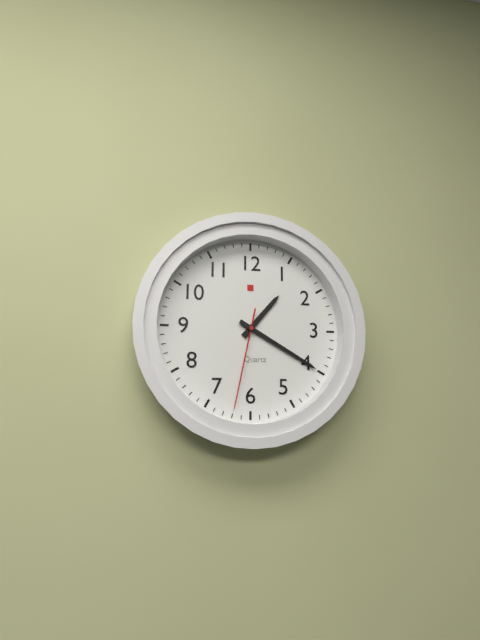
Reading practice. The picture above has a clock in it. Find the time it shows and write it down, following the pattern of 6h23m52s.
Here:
1h20m32s
